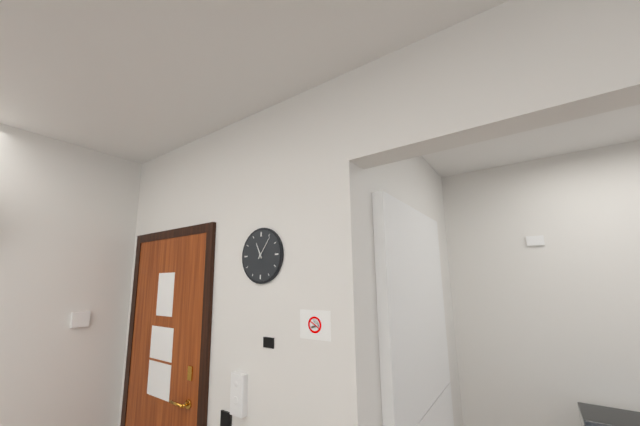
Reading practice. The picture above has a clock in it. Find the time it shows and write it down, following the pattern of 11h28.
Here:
11h06
